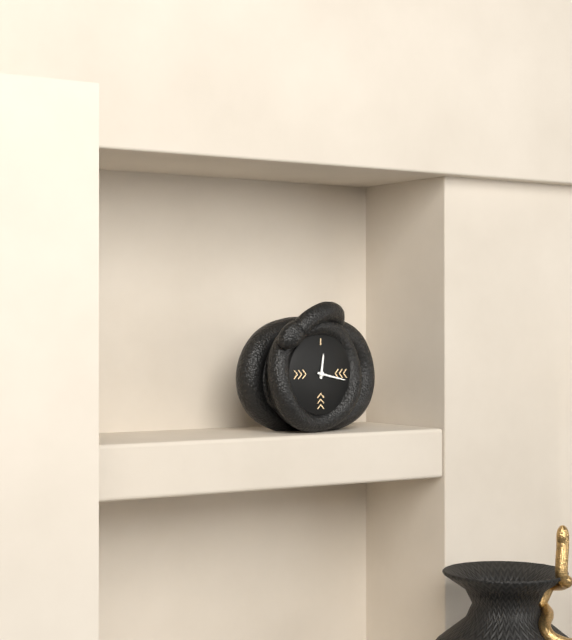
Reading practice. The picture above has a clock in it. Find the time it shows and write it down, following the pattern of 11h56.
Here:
12h17
